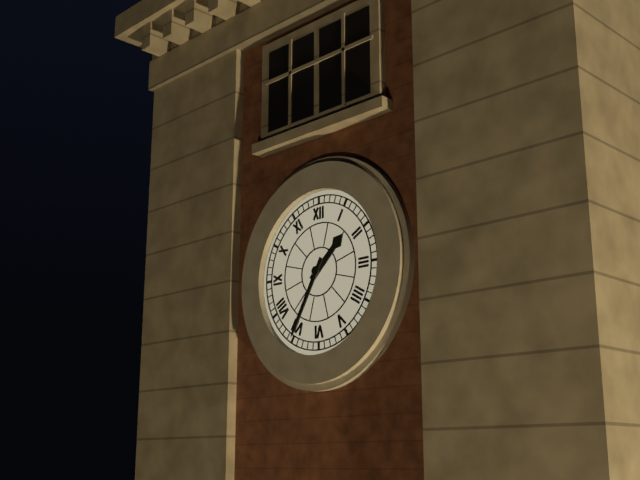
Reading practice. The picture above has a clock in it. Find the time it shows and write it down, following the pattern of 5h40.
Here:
1h35
